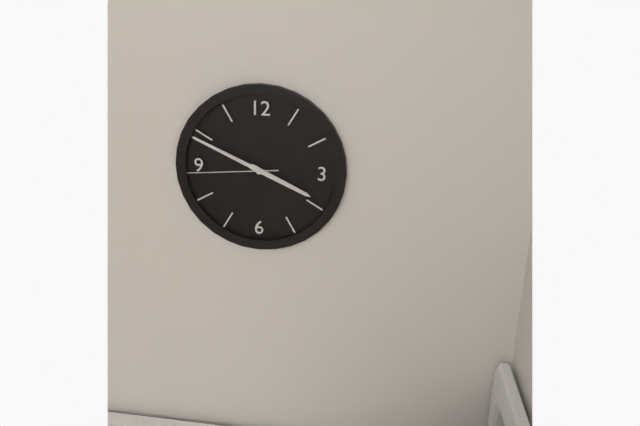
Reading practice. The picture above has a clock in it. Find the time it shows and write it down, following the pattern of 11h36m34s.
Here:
3h49m44s
